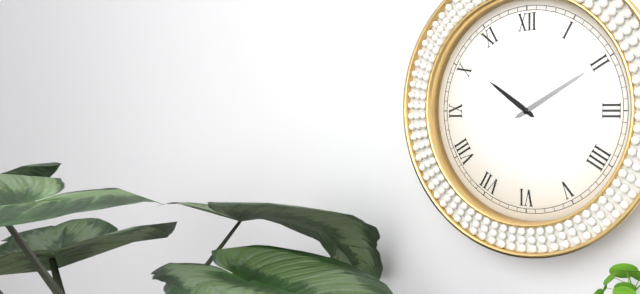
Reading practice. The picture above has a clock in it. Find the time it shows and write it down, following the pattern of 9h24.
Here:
10h10
